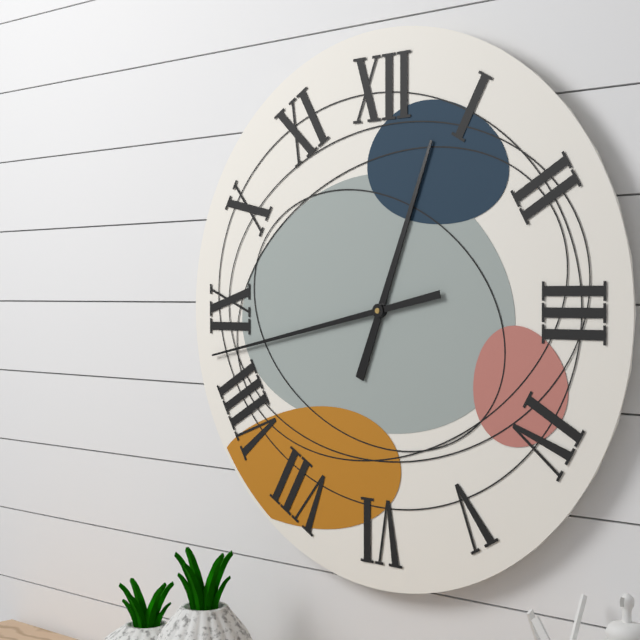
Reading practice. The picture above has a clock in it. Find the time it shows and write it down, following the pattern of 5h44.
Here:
12h43
